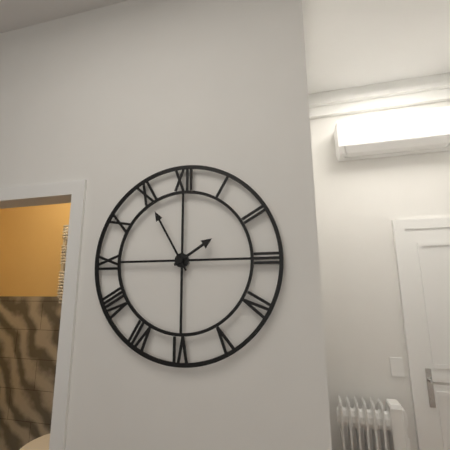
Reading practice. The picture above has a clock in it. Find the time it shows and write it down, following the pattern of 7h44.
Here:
1h55
